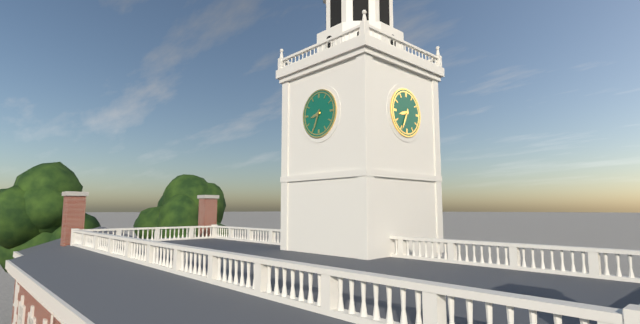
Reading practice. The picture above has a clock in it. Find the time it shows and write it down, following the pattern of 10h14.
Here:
8h34
